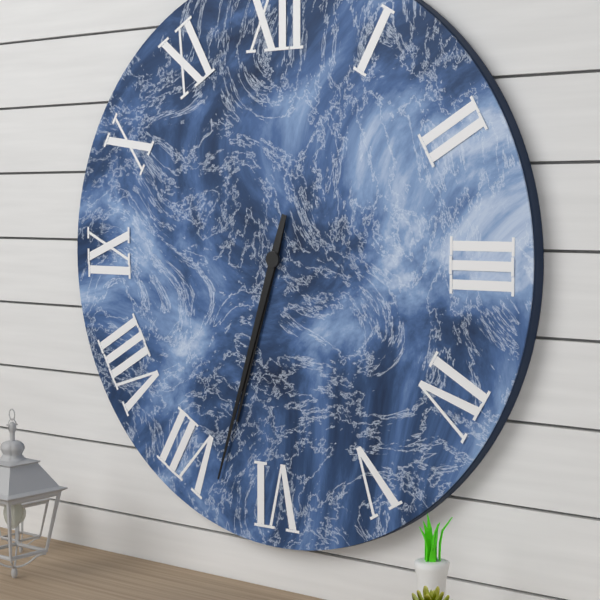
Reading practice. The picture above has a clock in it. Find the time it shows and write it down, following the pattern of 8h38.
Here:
6h33
